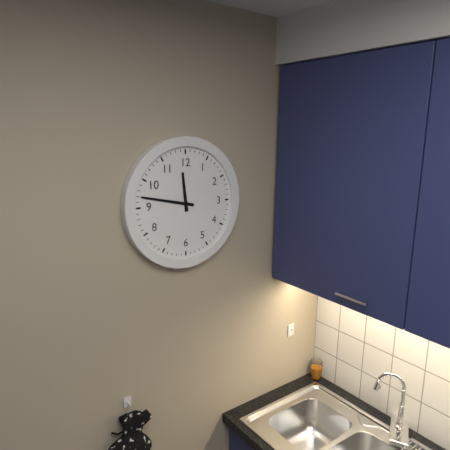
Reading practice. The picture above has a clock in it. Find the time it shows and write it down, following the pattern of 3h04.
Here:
11h47
